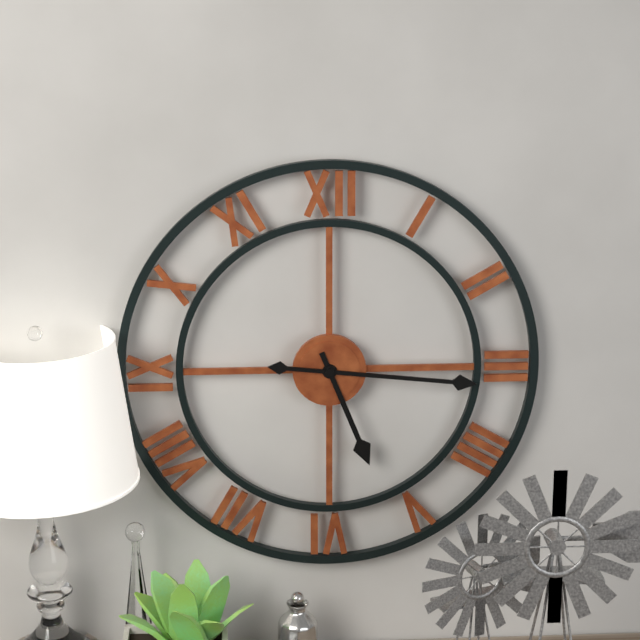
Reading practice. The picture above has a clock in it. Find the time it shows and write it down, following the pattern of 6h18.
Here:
5h16
